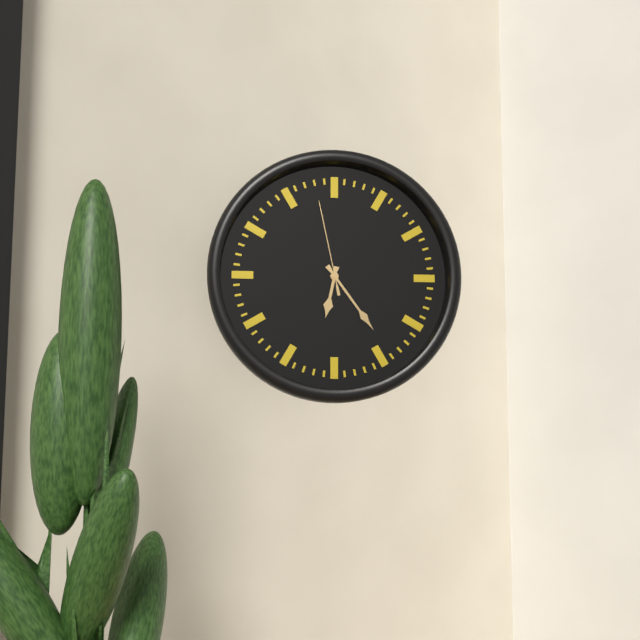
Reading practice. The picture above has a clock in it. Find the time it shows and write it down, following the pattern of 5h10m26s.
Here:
6h24m58s
